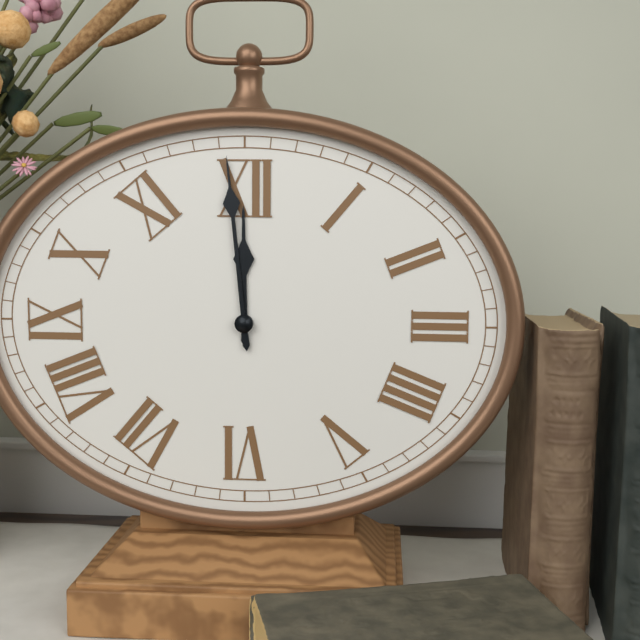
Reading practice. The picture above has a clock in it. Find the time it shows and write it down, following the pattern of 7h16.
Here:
11h59
